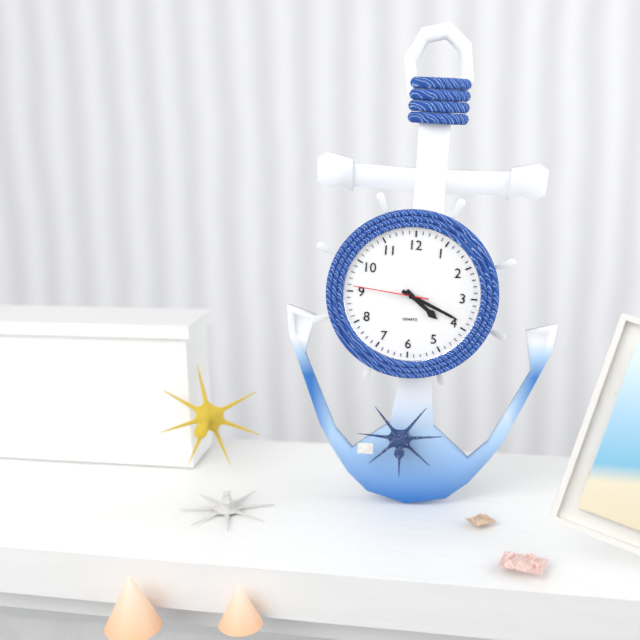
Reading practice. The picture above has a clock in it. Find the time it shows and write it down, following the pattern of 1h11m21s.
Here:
4h19m46s
